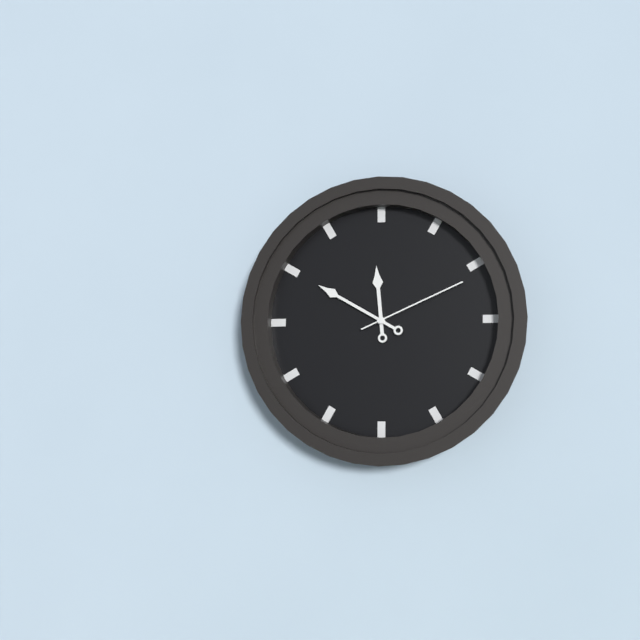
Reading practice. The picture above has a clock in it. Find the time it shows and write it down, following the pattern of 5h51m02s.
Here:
11h50m11s
